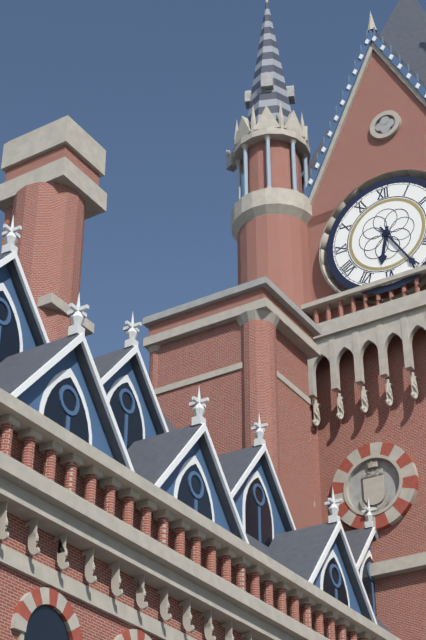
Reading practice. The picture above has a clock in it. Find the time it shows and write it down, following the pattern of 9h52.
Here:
6h25
